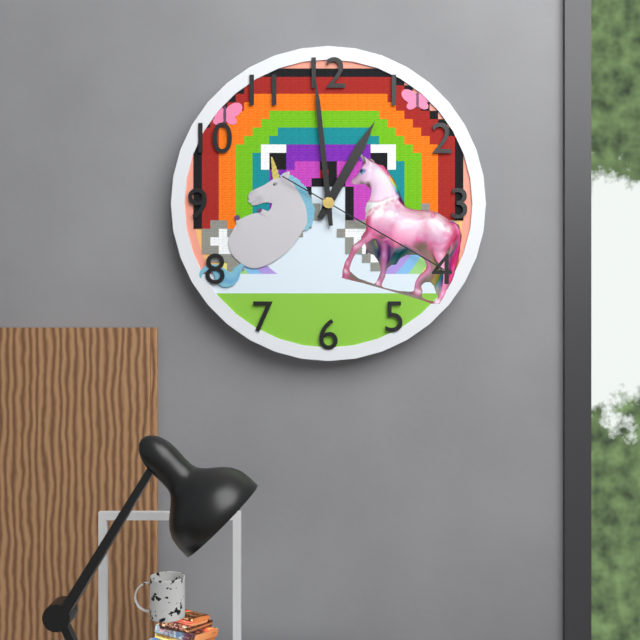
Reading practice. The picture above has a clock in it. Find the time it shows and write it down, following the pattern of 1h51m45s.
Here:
12h59m20s
